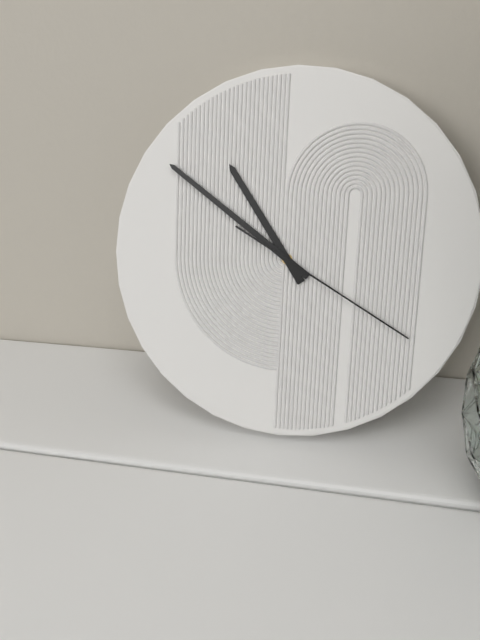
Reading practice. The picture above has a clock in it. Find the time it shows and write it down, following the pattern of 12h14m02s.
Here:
10h51m20s
